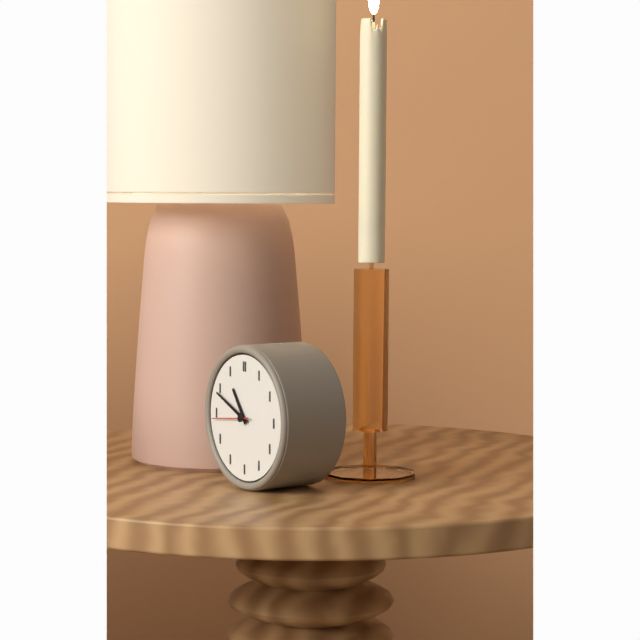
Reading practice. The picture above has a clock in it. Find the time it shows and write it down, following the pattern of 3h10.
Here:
10h49
